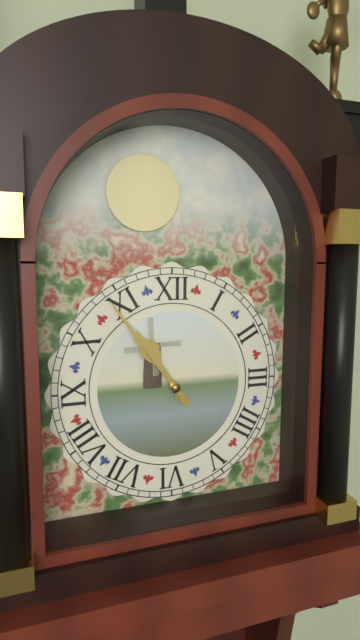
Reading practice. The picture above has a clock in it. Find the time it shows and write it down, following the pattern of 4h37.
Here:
10h54
